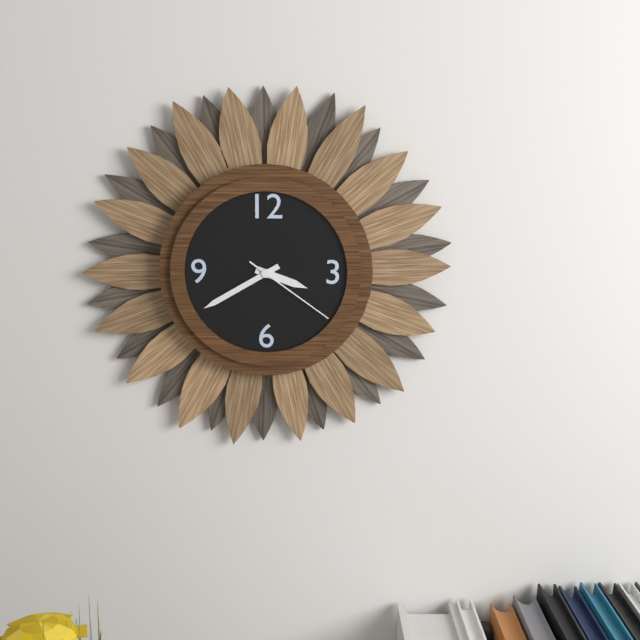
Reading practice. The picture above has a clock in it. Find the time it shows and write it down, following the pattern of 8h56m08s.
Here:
3h40m21s
